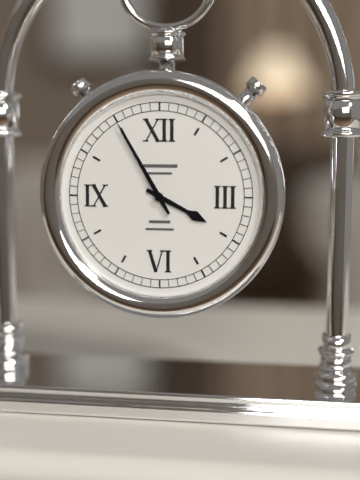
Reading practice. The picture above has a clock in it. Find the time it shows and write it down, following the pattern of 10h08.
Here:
3h55
